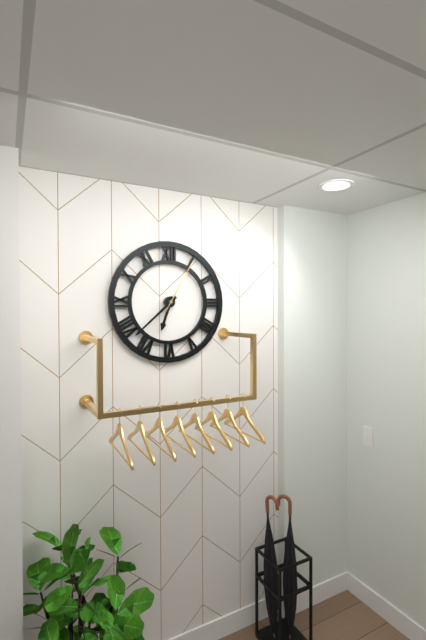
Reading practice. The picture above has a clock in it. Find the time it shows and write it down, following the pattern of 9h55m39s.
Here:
6h38m05s
